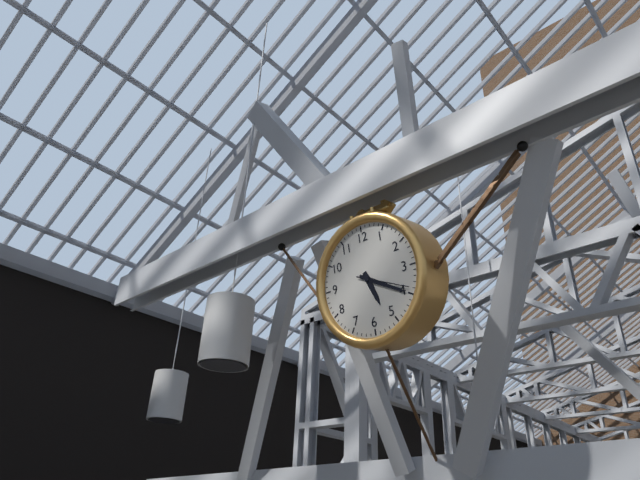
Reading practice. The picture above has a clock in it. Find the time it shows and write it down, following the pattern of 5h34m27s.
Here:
5h20m19s
